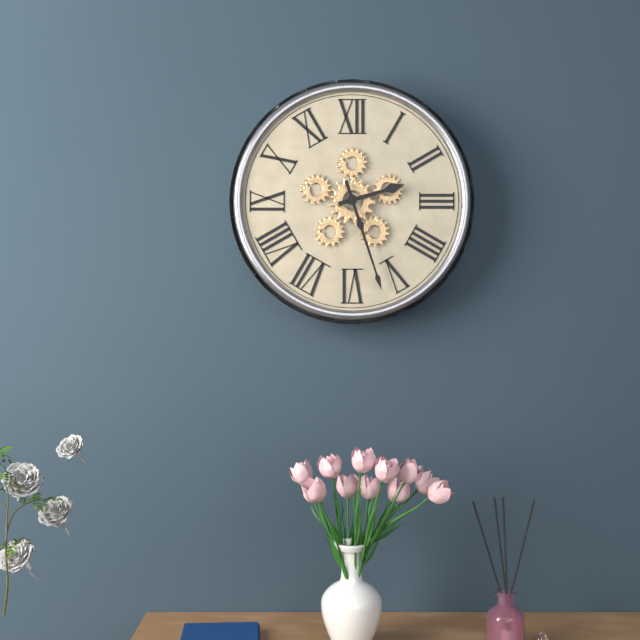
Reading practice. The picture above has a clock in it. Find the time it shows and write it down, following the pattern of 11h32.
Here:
2h27
